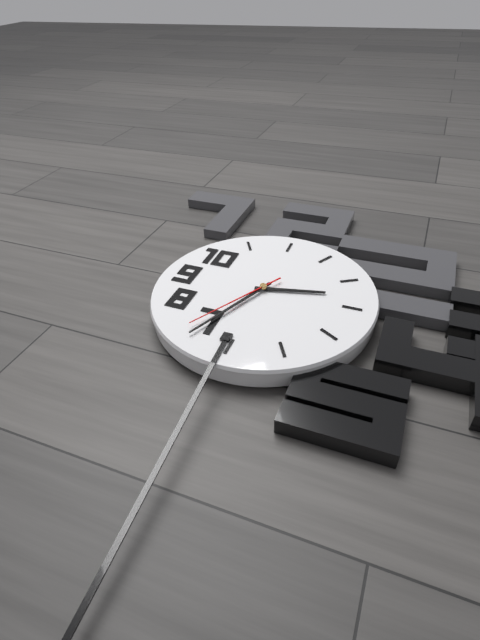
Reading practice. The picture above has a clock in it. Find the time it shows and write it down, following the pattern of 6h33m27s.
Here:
2h34m35s
